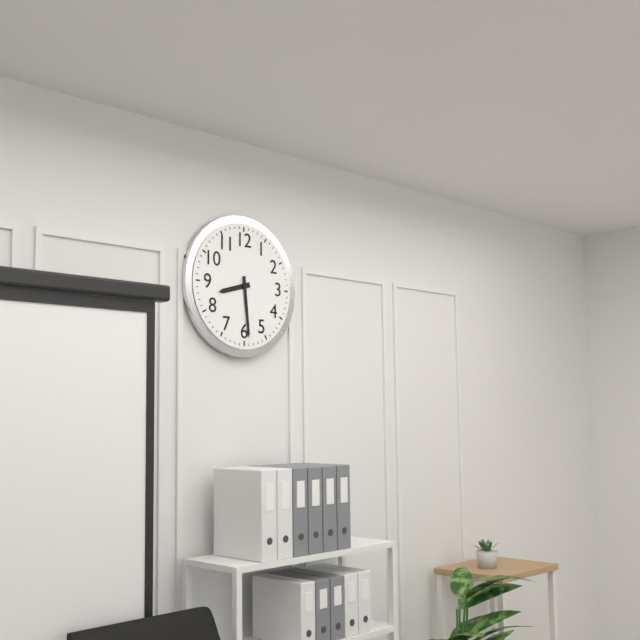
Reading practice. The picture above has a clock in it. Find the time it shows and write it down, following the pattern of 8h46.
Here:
8h29
